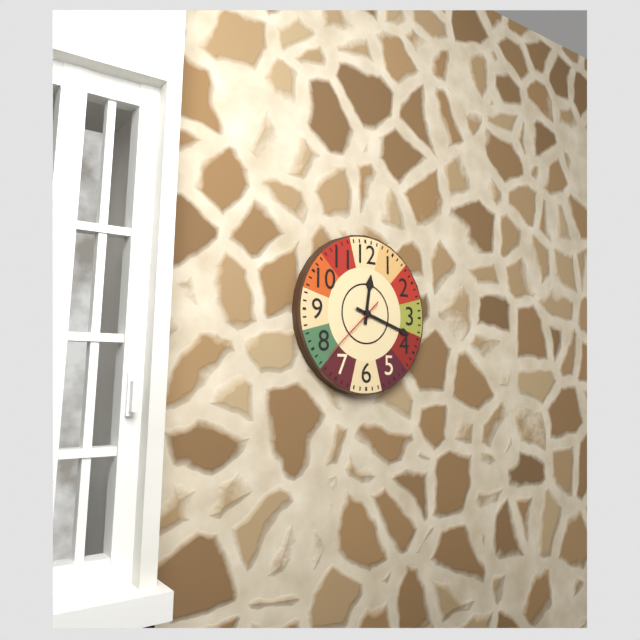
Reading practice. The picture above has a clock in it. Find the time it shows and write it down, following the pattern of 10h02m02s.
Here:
12h18m38s
